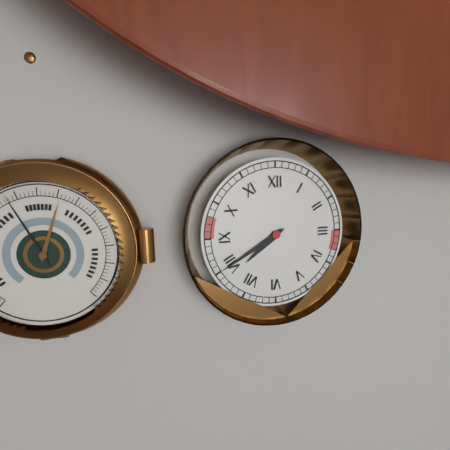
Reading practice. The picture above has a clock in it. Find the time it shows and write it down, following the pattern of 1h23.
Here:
7h40
